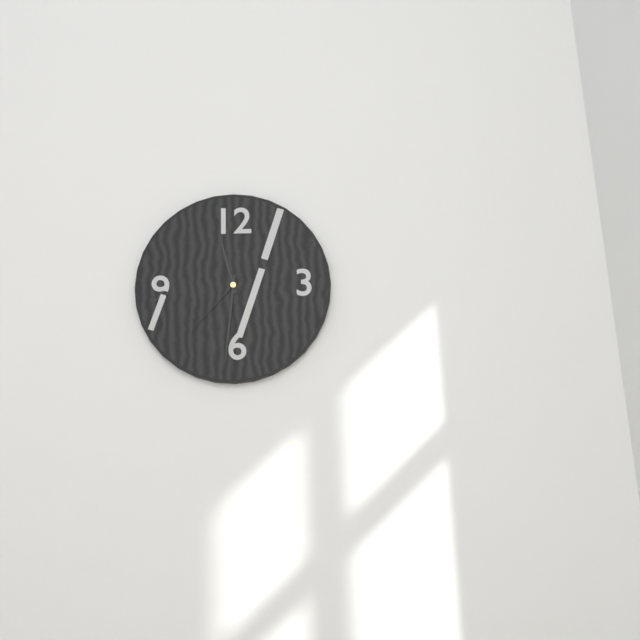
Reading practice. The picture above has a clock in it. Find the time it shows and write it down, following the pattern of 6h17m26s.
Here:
11h31m37s
